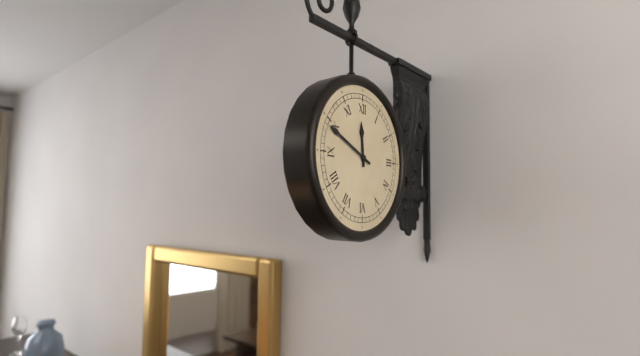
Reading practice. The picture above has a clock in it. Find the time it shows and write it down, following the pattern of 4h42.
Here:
11h49
